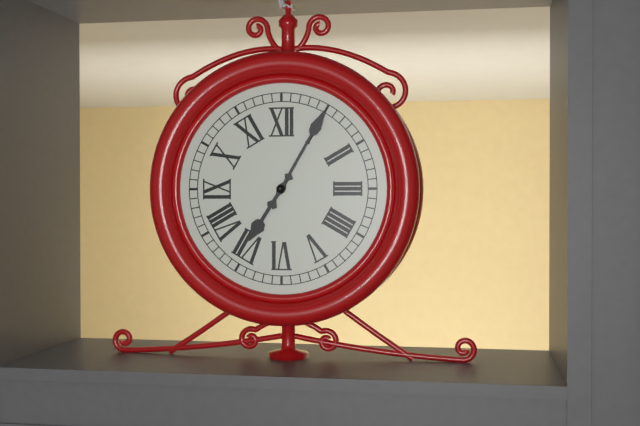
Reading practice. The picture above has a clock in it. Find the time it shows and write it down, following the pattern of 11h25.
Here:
7h05
